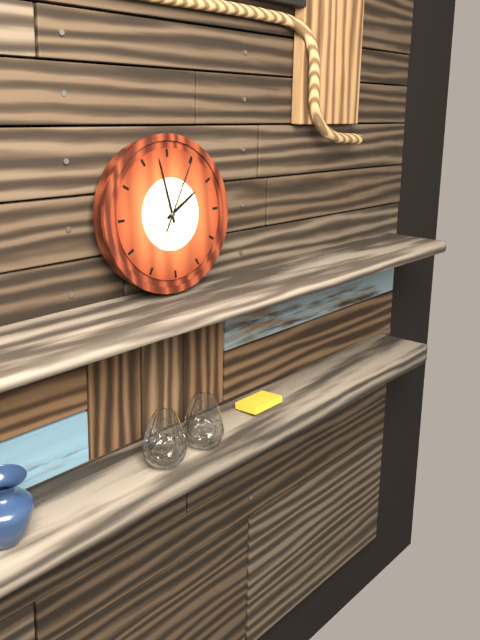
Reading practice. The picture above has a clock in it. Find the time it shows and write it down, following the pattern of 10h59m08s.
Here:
1h58m05s
